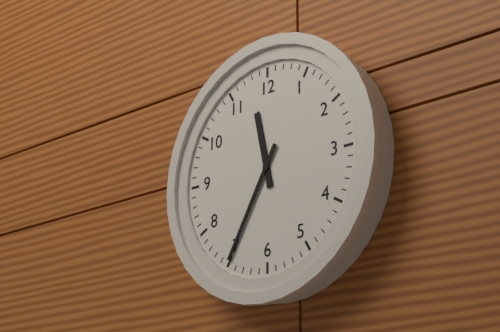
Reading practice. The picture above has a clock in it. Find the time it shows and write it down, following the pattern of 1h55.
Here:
11h35
